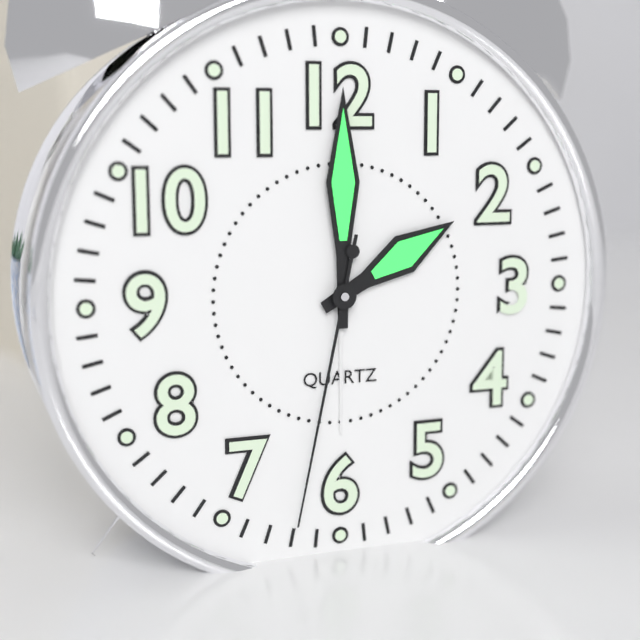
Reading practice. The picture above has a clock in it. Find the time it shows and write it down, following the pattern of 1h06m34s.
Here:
2h00m32s
